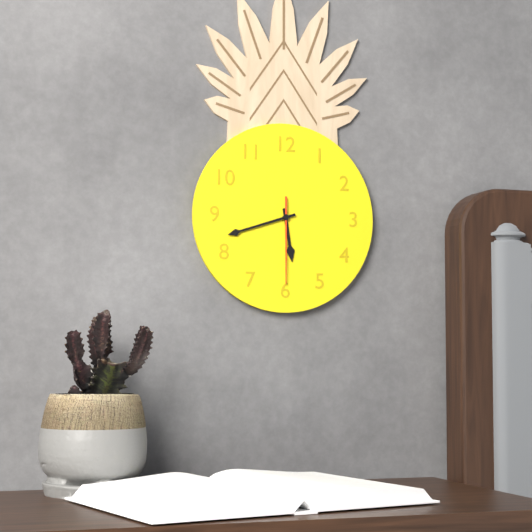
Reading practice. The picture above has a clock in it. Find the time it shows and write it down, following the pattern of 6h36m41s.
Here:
5h42m30s
